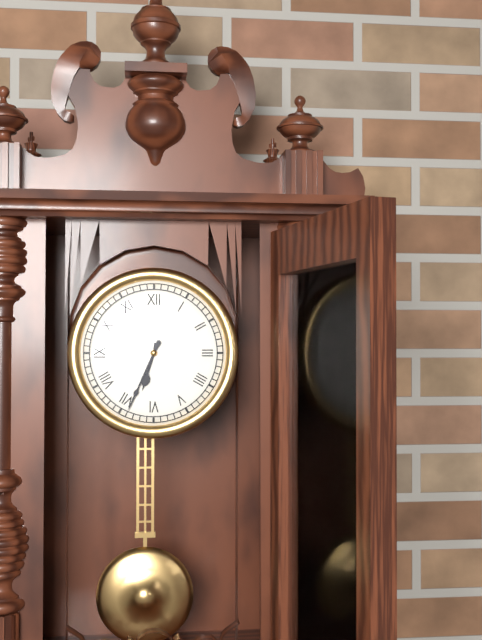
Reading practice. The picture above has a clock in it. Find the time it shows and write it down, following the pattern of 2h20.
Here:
6h34
